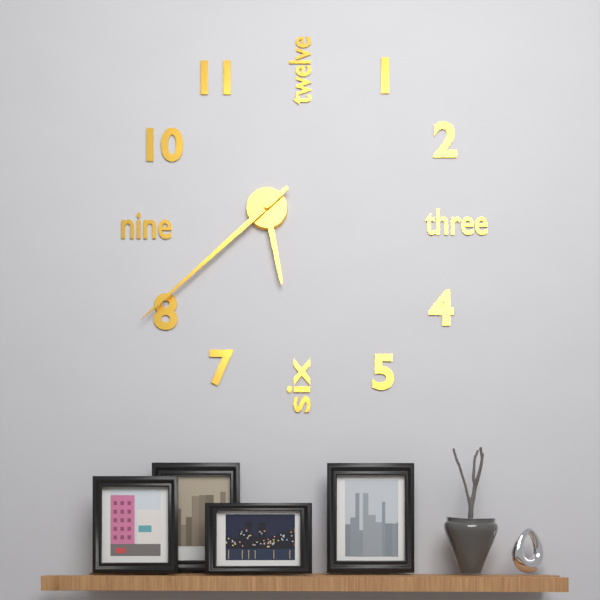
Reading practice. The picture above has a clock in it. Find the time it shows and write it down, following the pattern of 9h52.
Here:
5h38
